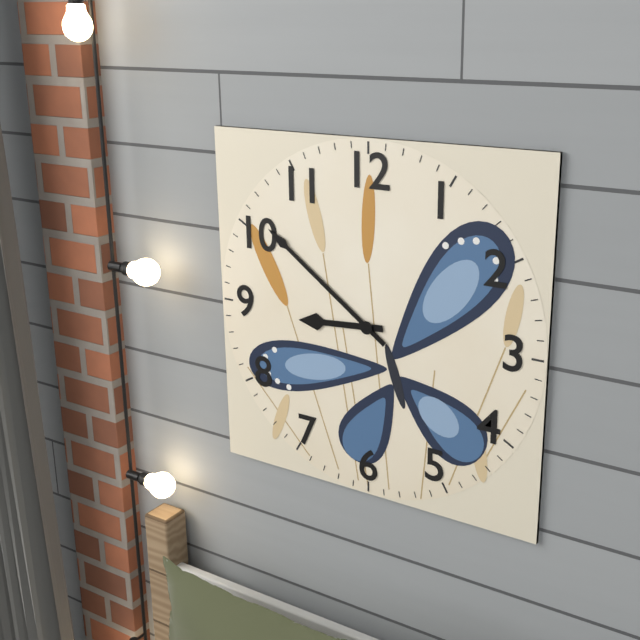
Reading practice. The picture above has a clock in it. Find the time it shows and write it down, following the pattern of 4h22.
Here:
8h51
